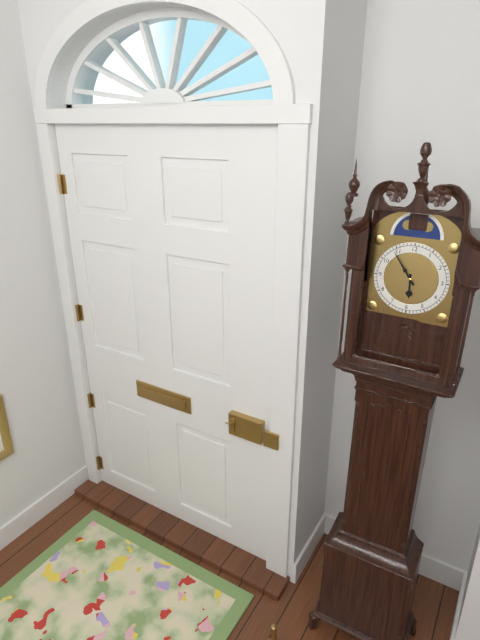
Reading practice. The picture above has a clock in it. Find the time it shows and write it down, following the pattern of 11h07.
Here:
5h54
